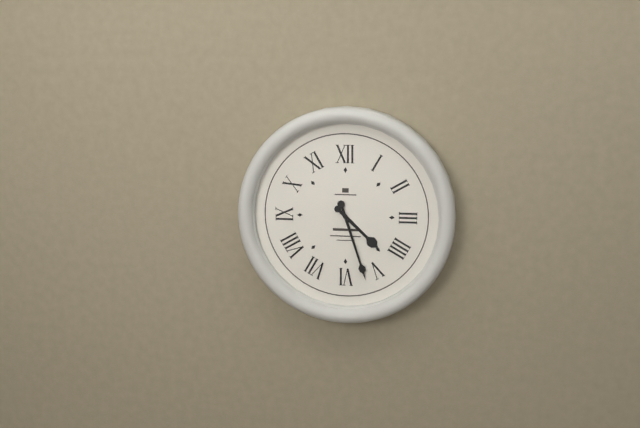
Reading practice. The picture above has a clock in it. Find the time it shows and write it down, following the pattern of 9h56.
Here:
4h27
